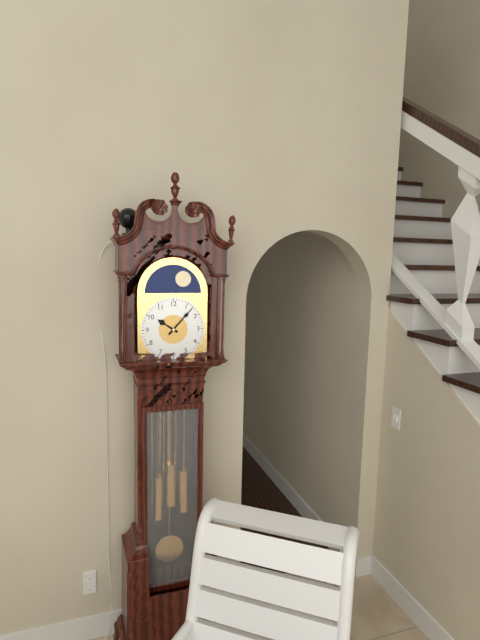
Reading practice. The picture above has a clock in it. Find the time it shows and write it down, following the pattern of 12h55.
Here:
10h07
